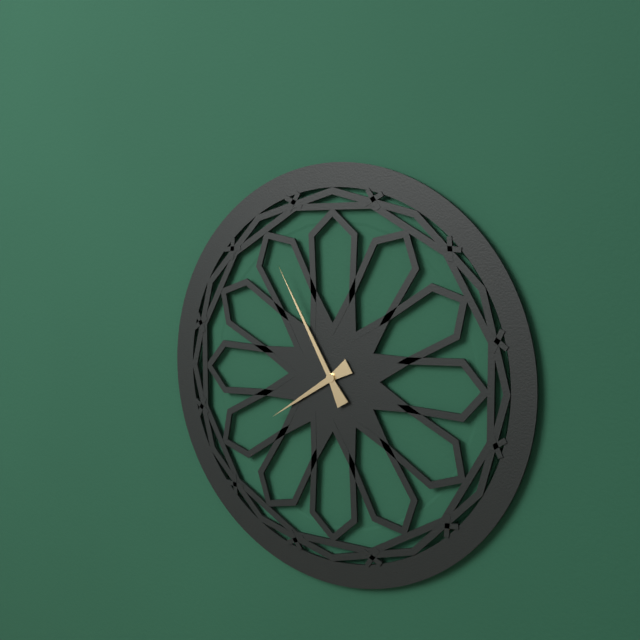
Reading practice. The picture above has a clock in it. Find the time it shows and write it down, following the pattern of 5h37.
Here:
7h55
